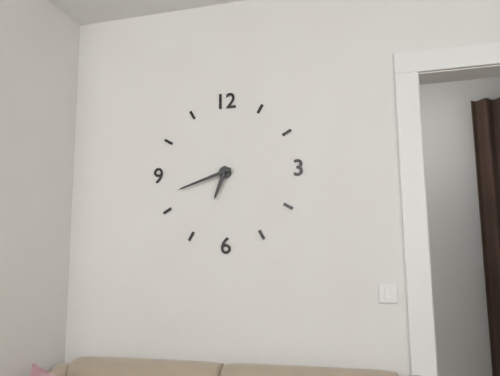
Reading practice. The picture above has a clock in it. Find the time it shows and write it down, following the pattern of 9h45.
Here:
6h42
